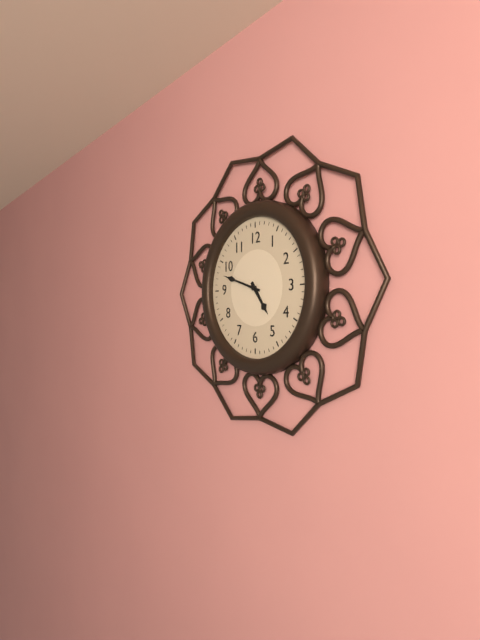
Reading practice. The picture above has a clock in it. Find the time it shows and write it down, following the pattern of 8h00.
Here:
4h48
